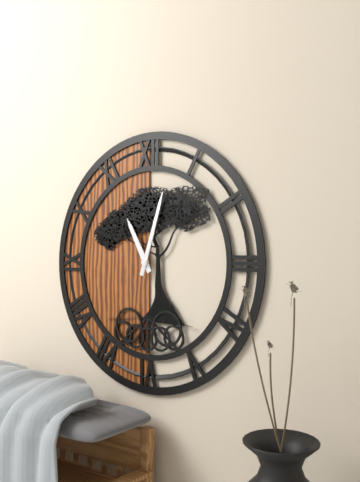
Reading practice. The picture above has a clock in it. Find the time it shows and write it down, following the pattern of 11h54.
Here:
11h03
